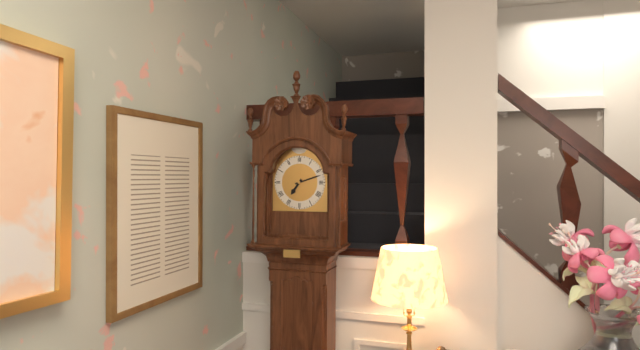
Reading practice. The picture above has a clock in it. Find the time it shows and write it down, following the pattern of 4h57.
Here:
7h12
